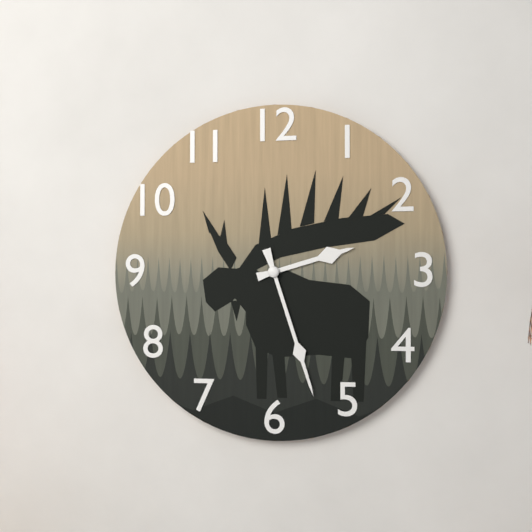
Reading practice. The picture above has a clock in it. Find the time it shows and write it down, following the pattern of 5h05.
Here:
2h27
